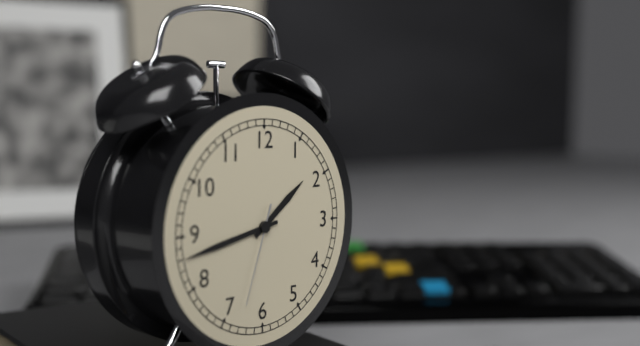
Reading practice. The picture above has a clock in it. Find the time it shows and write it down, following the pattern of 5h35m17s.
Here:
1h43m33s
